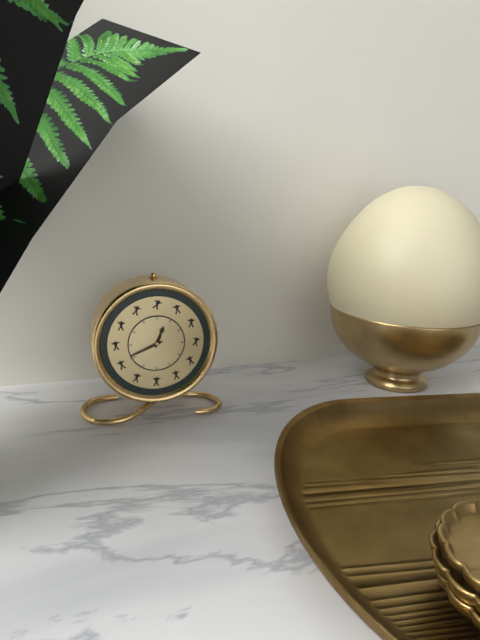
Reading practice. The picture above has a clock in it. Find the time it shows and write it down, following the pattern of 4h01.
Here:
12h41
